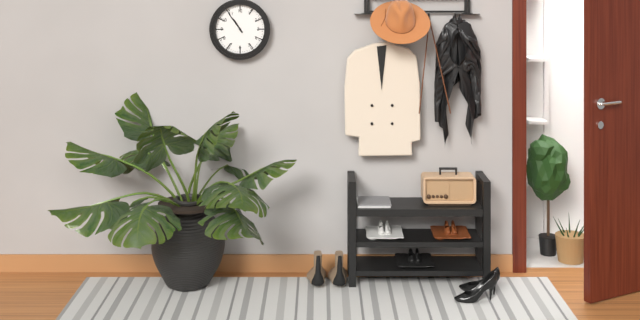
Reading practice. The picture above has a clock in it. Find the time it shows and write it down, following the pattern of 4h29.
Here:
10h54
